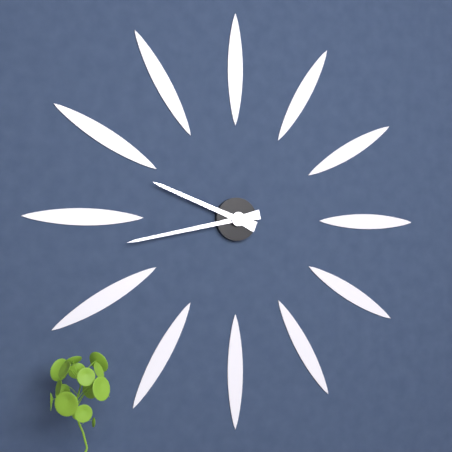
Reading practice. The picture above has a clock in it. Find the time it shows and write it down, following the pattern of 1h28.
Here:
9h43
